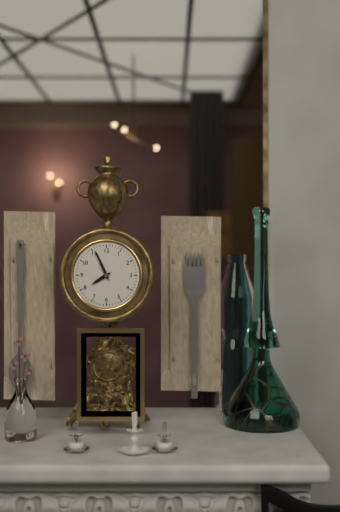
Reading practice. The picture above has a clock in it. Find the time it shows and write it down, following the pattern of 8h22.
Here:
7h56
